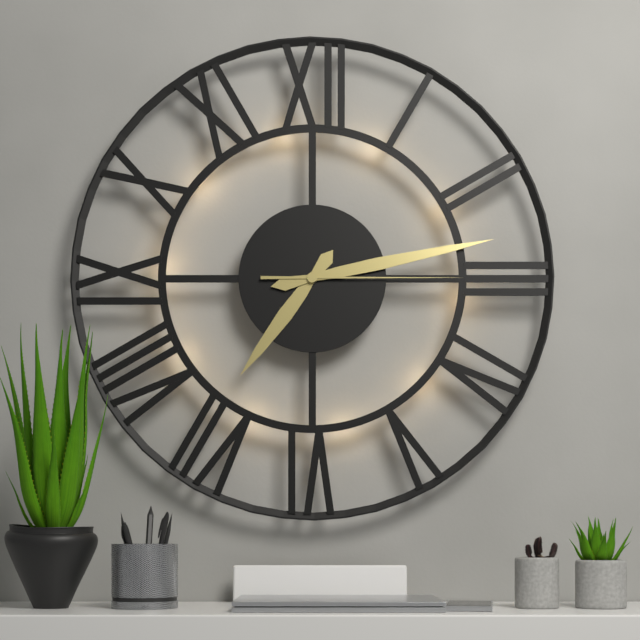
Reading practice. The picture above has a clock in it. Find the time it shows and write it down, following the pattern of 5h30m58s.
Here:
7h13m15s
